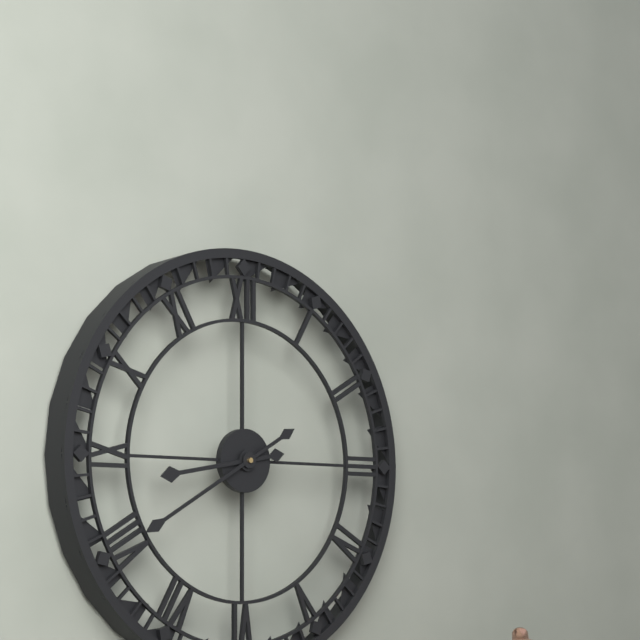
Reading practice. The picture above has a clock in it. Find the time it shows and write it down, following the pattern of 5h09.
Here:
8h40
